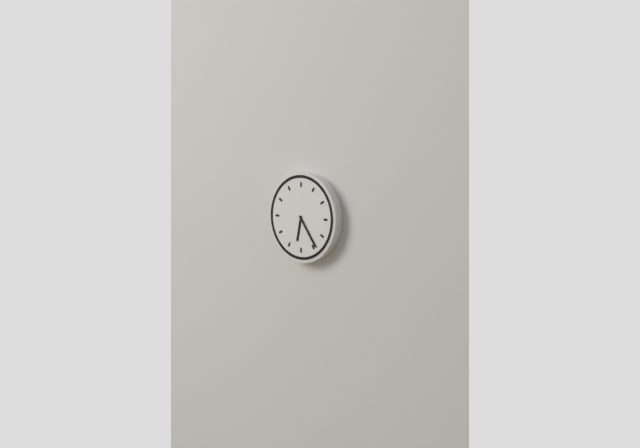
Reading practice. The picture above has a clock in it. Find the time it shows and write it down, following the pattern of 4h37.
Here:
6h24
